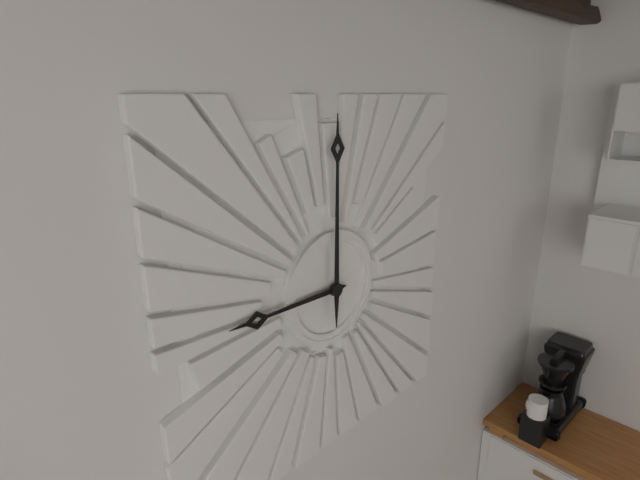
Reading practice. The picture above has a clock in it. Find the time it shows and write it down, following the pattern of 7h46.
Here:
9h00
